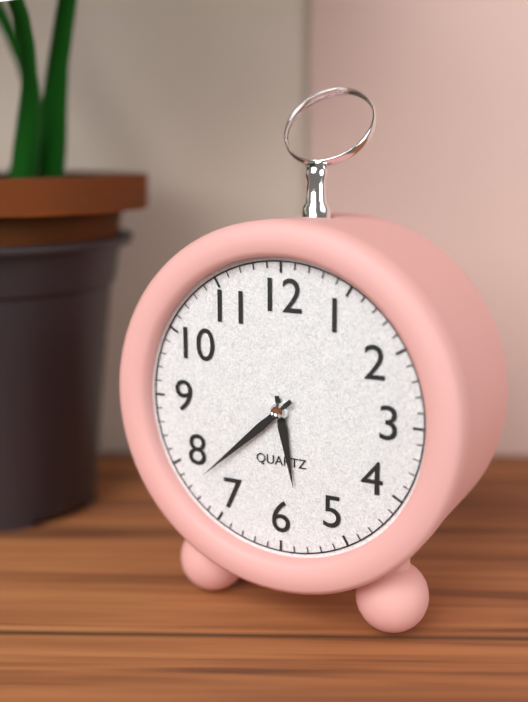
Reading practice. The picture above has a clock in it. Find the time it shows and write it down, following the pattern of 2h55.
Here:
5h38
